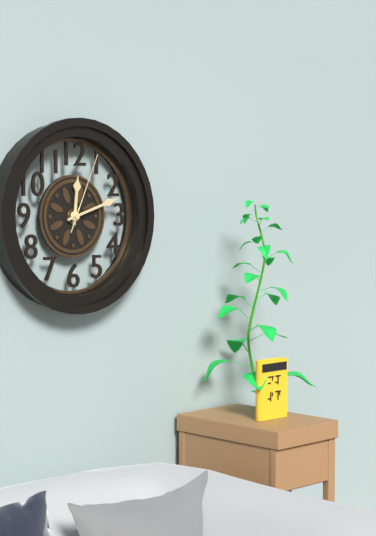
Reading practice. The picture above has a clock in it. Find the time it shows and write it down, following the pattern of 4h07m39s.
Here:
12h12m04s
